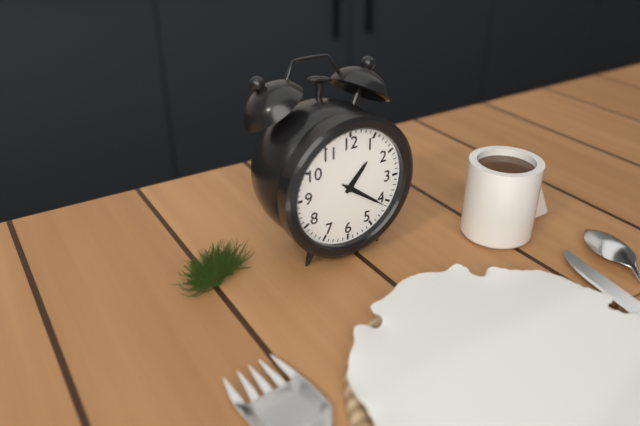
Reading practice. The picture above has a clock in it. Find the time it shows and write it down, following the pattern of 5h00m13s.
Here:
1h21m21s
